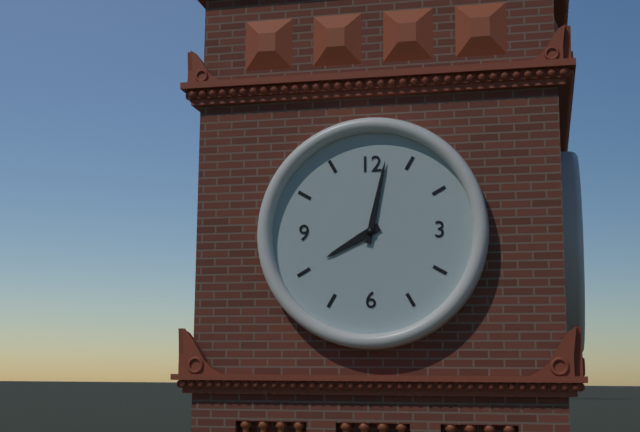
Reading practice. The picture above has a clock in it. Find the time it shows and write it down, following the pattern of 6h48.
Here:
8h02
